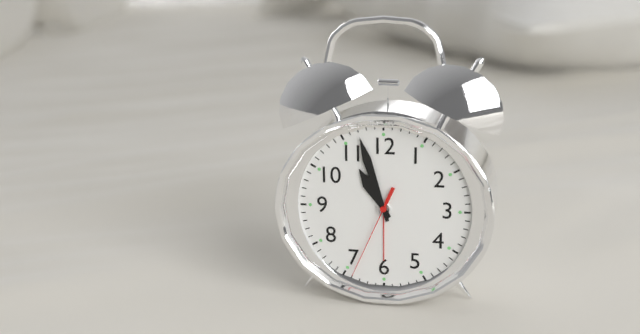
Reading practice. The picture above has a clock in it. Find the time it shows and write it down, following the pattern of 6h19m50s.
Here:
10h57m34s
